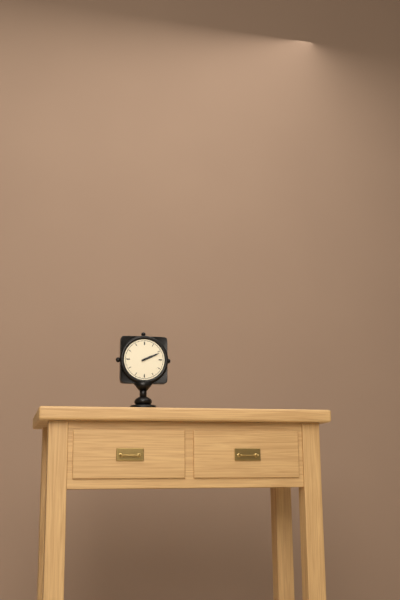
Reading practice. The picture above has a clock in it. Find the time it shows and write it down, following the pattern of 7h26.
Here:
2h11
